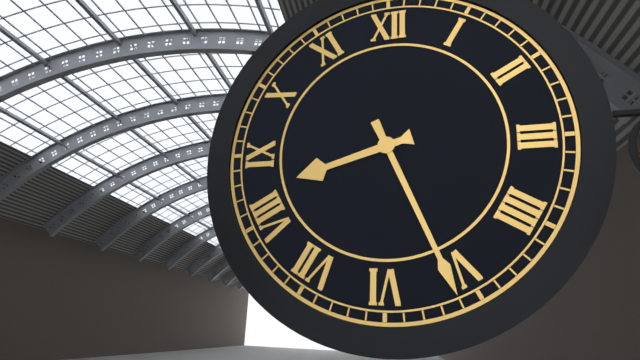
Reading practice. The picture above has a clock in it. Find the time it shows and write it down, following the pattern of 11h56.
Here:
8h26
